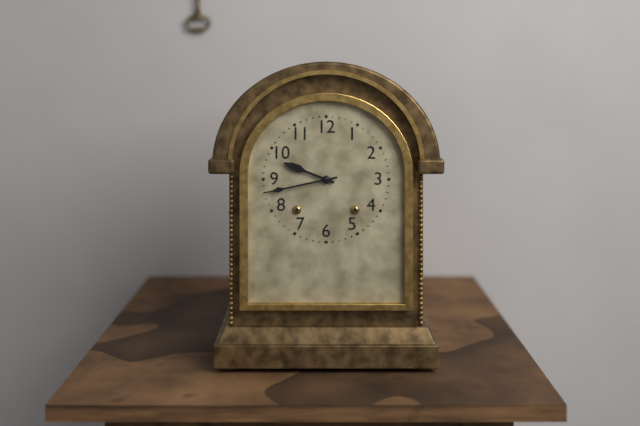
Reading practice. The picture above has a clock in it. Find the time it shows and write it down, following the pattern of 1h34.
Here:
9h43
